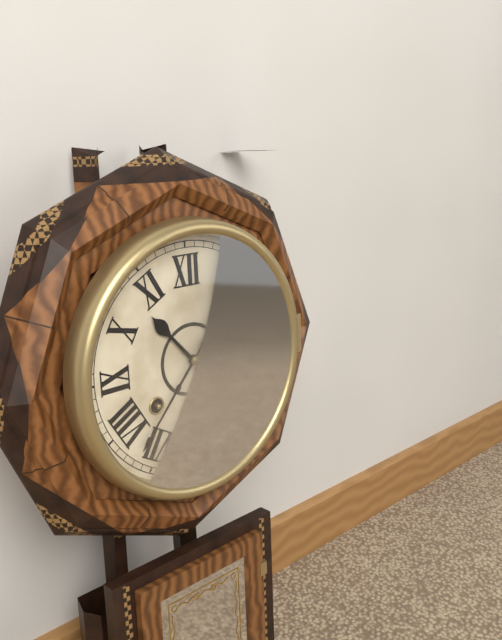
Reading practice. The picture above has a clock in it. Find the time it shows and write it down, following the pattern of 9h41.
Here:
10h37
